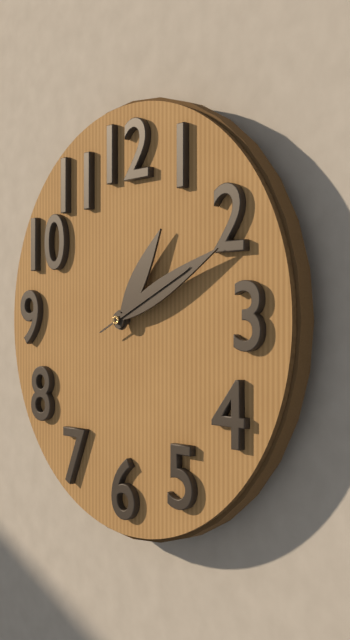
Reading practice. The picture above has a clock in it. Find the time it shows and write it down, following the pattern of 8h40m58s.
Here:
1h11m11s
